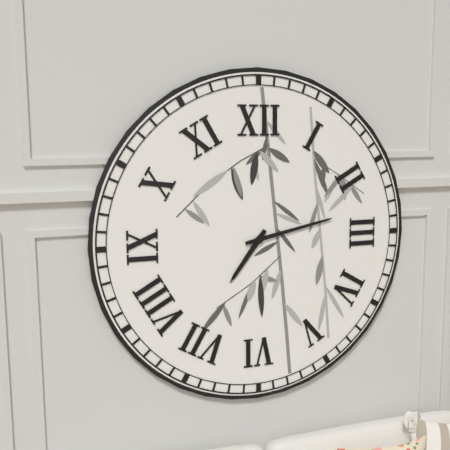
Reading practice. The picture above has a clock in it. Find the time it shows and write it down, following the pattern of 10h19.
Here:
7h13
